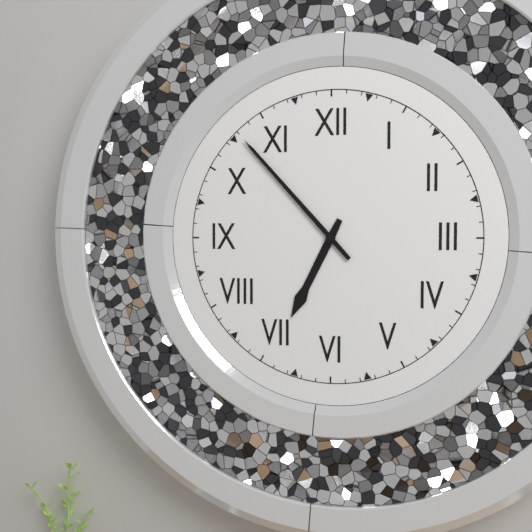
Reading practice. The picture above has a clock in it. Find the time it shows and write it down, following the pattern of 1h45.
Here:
6h53
